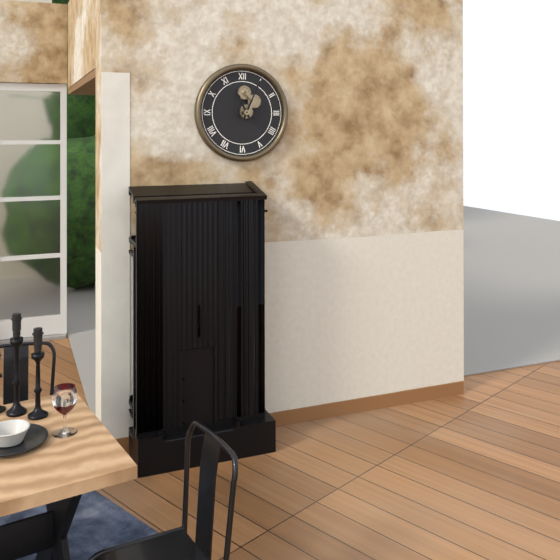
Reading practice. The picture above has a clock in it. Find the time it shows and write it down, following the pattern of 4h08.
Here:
11h04
